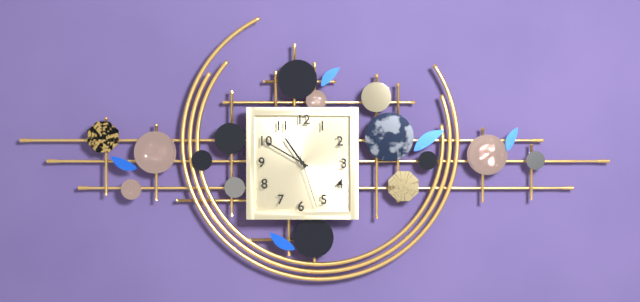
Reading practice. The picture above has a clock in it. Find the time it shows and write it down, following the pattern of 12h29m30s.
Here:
10h50m27s
